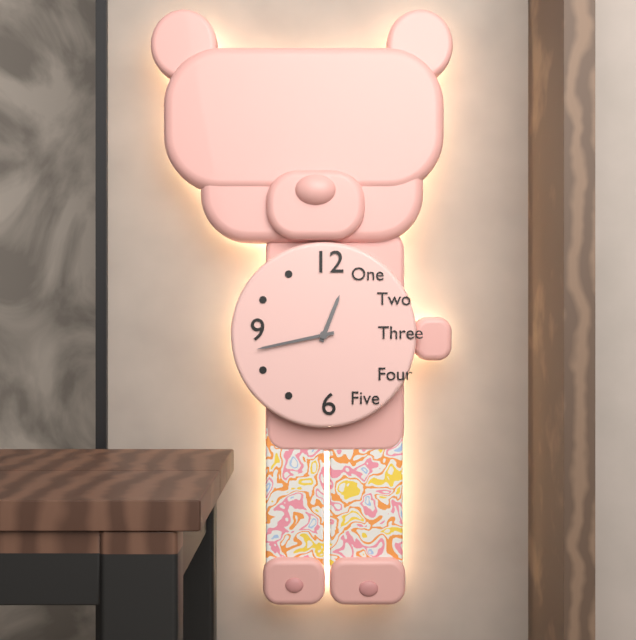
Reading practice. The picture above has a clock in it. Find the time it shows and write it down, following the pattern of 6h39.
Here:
12h43
